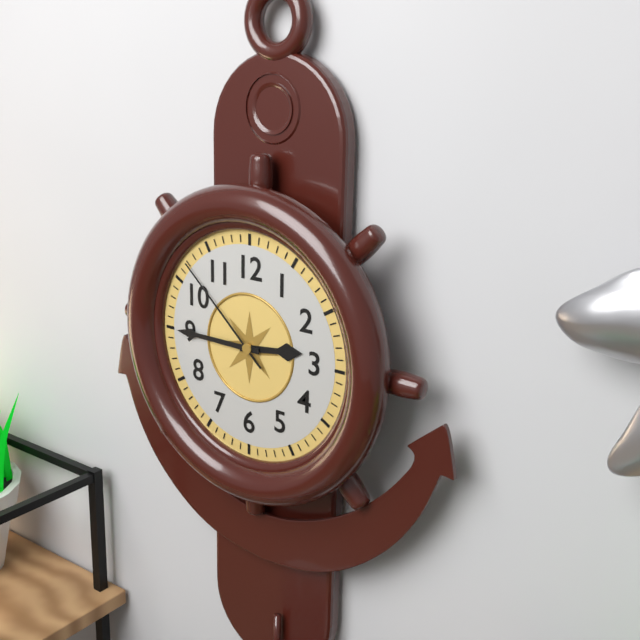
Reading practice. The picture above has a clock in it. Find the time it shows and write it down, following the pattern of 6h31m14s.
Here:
2h45m52s
